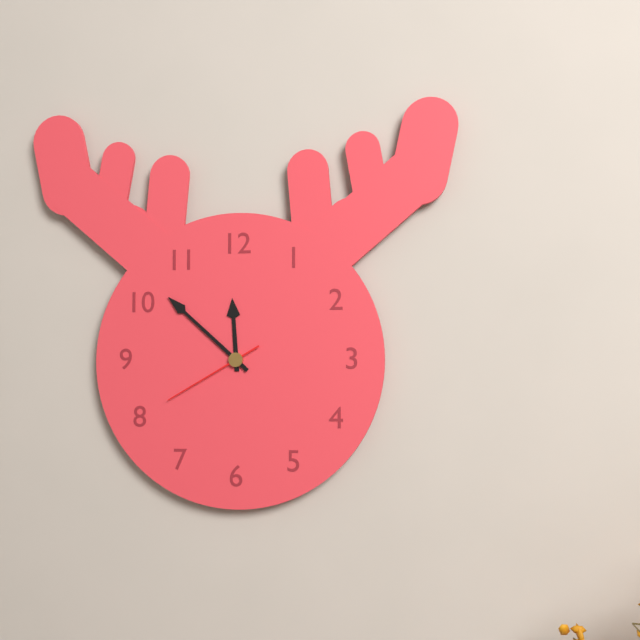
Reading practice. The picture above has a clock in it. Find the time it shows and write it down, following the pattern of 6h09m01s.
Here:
11h52m40s
